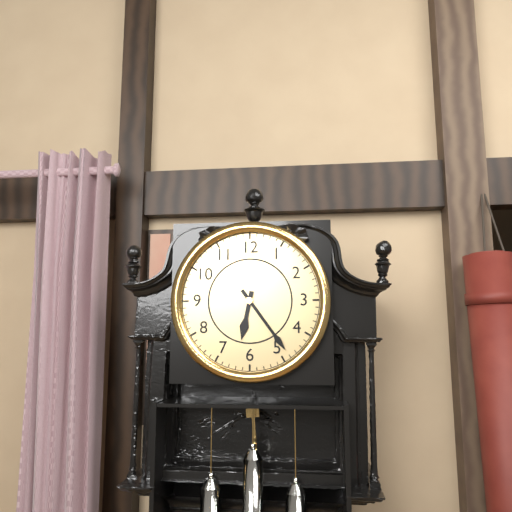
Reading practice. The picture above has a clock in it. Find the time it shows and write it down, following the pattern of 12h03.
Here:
6h24
